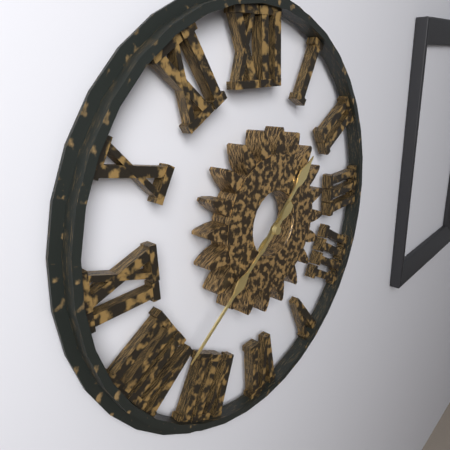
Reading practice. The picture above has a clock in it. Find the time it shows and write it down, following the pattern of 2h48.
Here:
1h39
